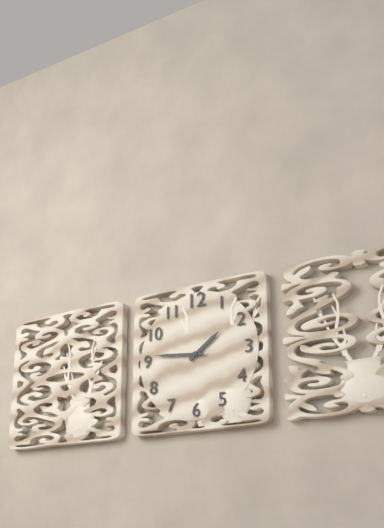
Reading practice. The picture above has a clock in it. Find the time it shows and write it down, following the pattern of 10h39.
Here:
1h46
